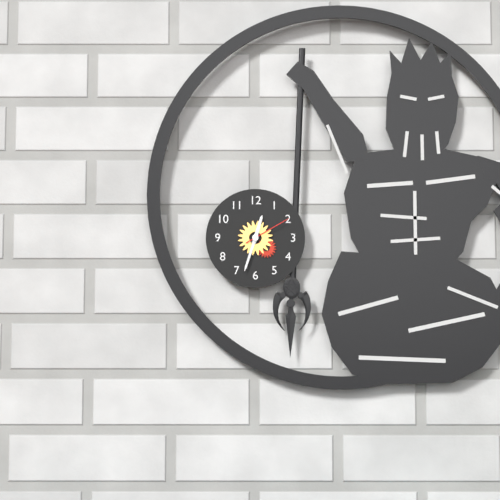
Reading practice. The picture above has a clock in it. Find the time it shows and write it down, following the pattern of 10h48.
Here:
12h33
